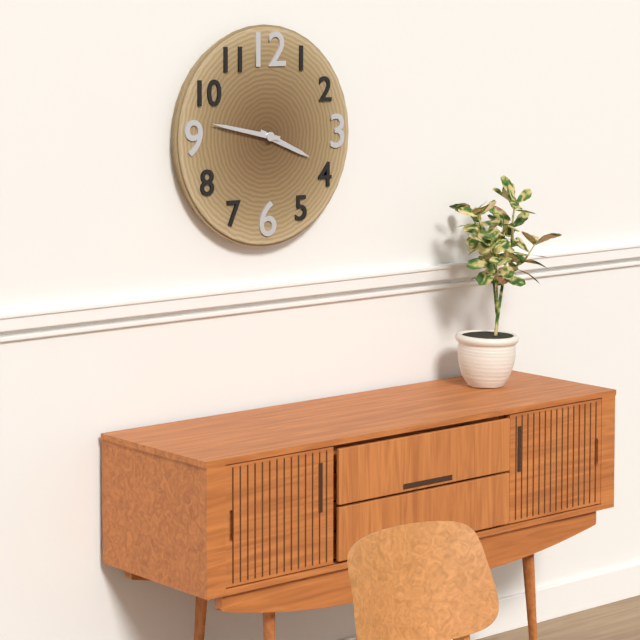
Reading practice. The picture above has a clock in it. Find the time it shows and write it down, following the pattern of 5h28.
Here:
3h47
